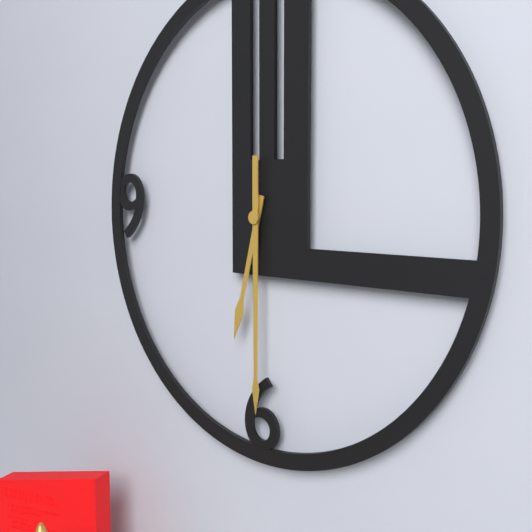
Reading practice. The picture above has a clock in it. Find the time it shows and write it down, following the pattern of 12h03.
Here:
6h30
